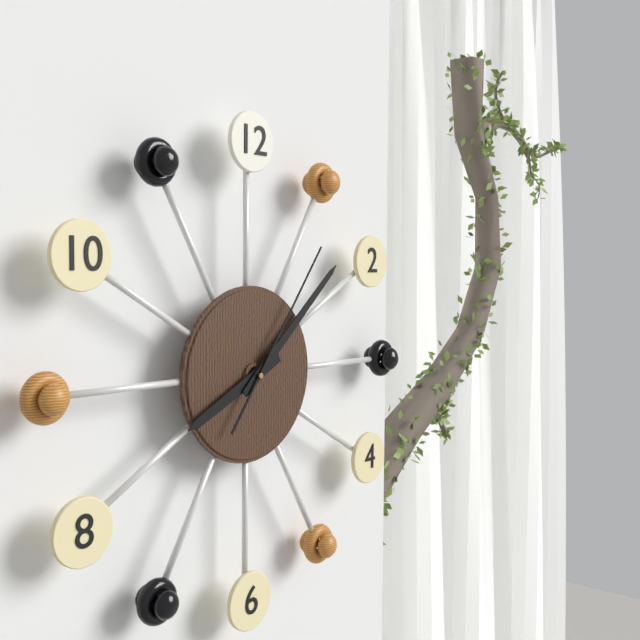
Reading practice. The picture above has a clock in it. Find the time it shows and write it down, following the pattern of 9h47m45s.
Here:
8h08m06s
